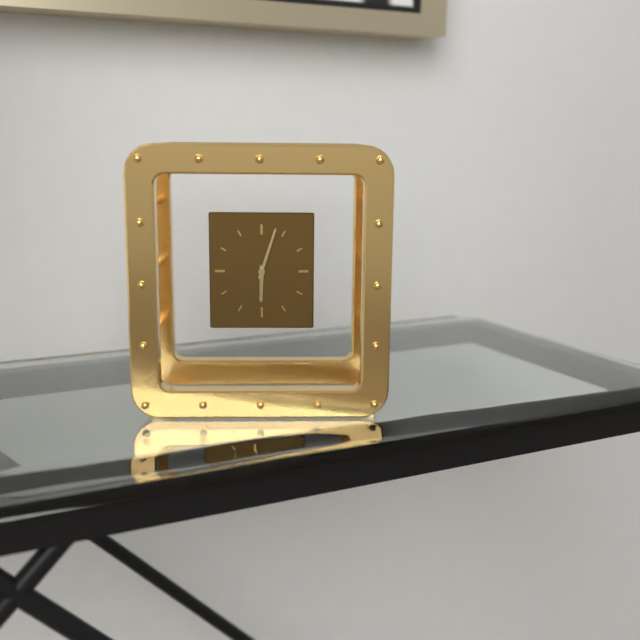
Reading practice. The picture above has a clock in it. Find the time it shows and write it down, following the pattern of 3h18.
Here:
6h03
